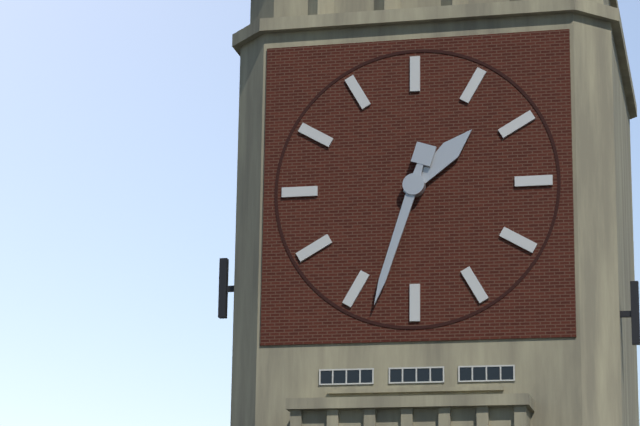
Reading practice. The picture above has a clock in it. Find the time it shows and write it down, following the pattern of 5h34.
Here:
1h33
